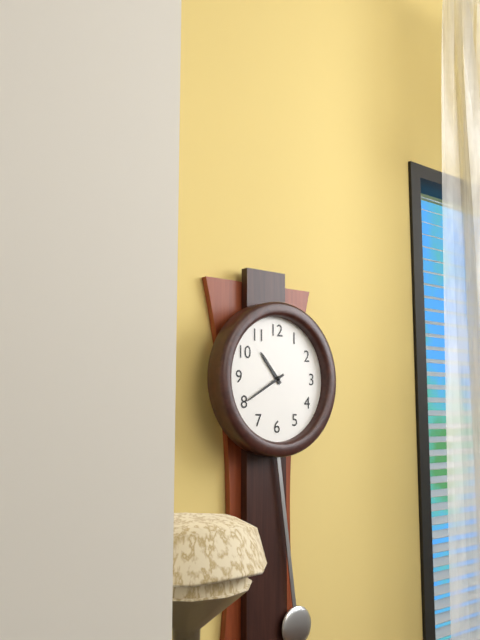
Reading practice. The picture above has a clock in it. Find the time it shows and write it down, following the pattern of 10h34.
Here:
10h40
